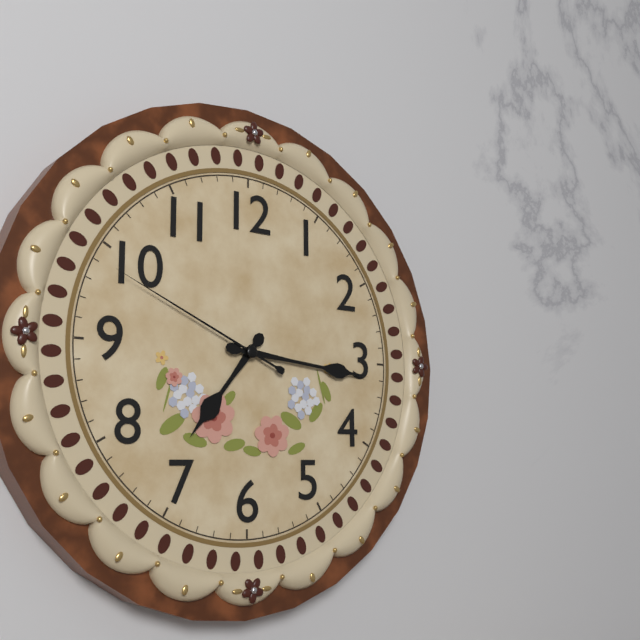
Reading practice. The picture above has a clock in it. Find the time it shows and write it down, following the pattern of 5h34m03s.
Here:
7h16m49s
